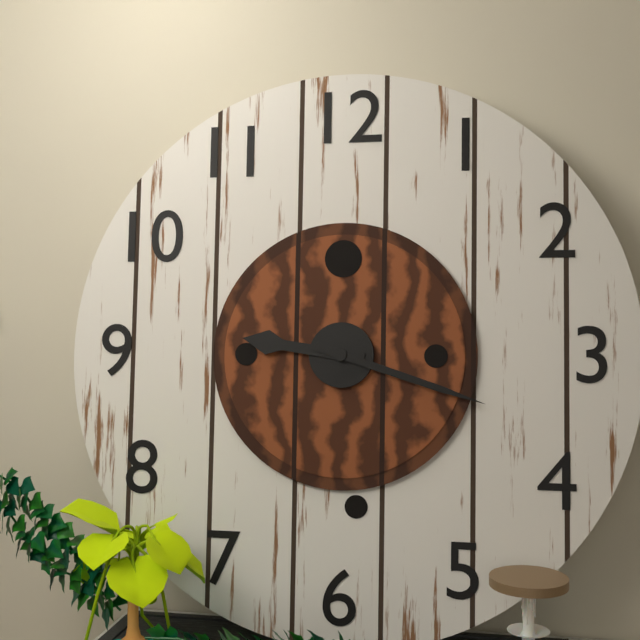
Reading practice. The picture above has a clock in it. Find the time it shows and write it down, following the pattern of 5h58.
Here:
9h18
